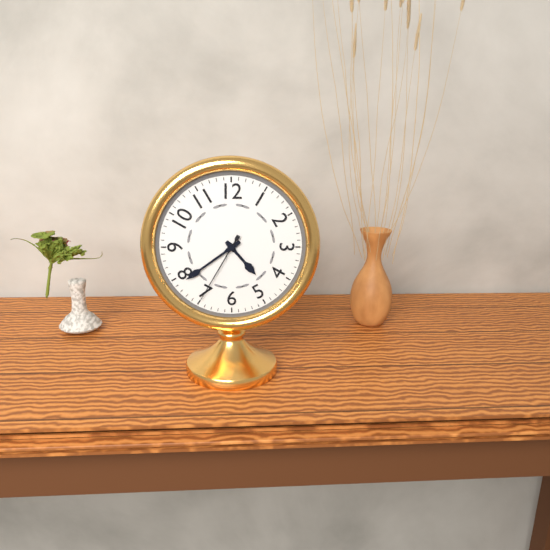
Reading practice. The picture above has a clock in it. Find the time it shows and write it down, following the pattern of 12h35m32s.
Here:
4h39m35s
